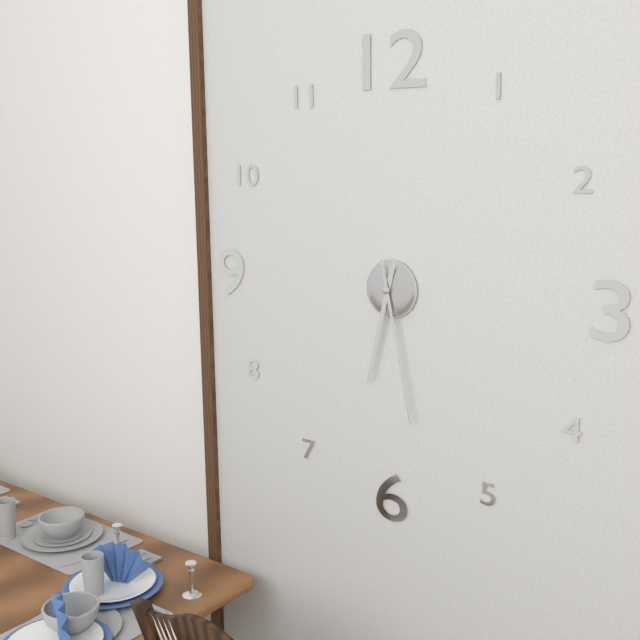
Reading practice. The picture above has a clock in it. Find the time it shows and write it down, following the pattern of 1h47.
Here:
6h28
